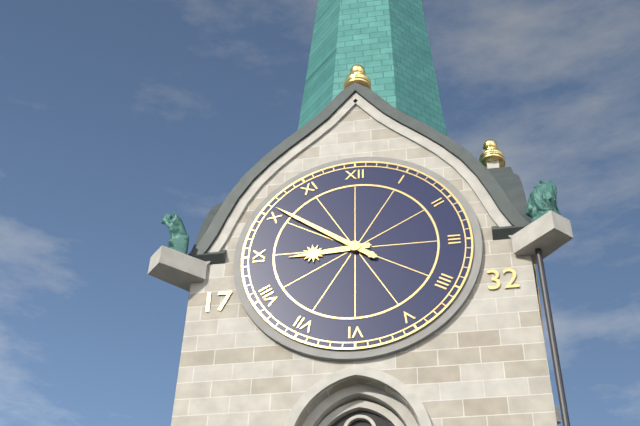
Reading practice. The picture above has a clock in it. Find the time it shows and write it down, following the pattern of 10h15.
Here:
8h51
